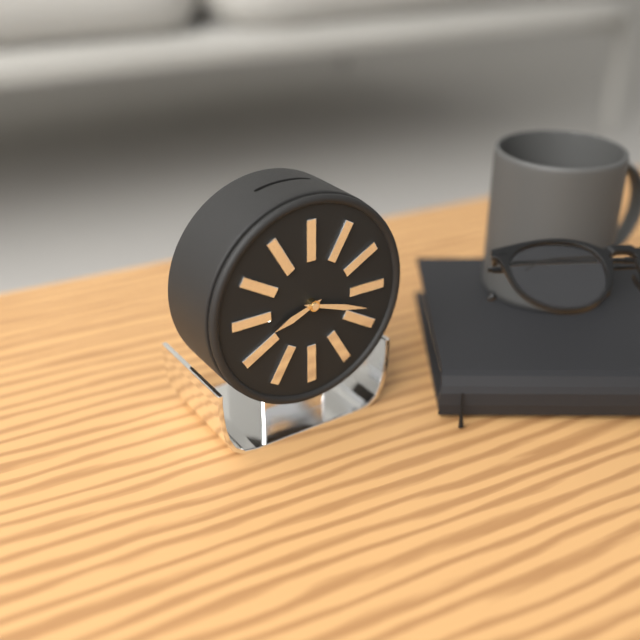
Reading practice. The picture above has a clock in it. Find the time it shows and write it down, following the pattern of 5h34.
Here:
8h18
